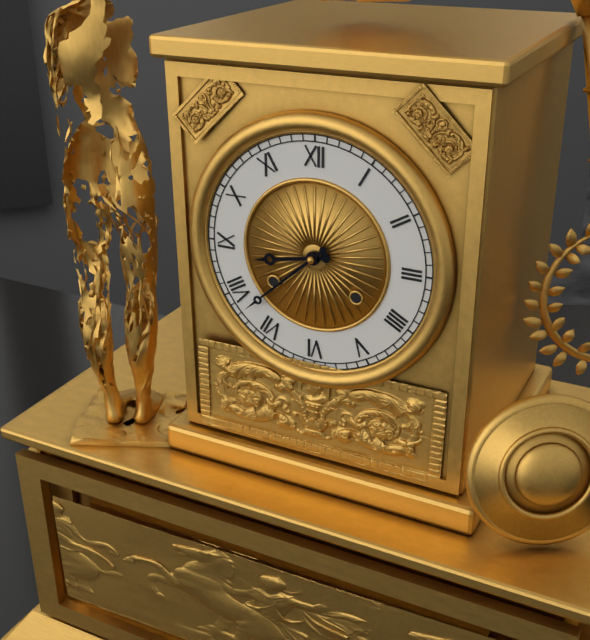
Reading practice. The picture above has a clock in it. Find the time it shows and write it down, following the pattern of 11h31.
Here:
8h38
